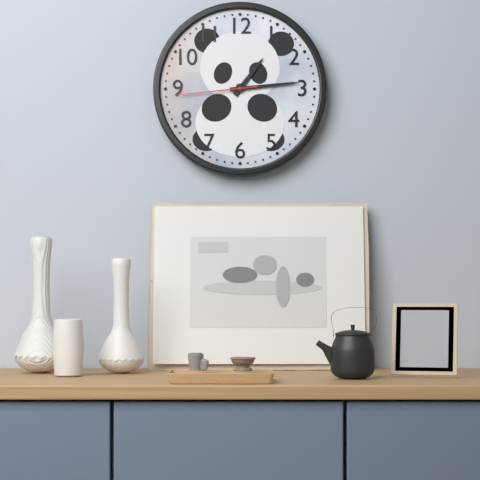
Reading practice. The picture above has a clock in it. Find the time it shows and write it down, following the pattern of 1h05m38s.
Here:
1h14m44s
